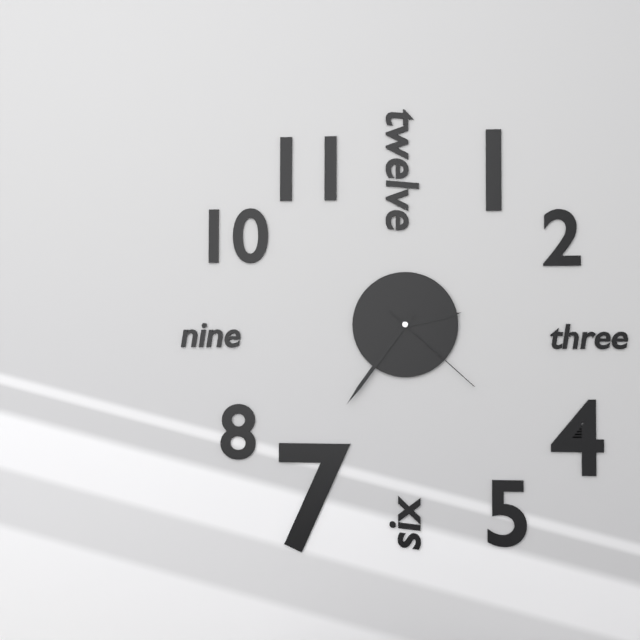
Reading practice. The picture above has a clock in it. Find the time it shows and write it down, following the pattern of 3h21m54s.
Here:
2h36m22s
